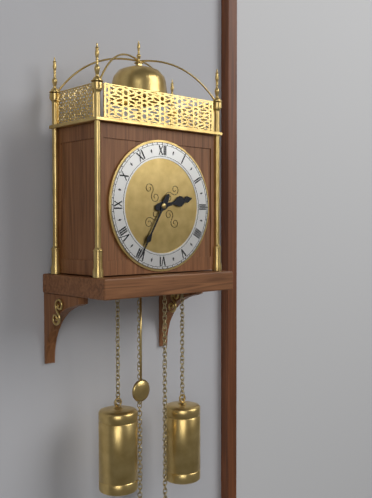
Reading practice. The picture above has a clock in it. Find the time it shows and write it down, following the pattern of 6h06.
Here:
2h35
